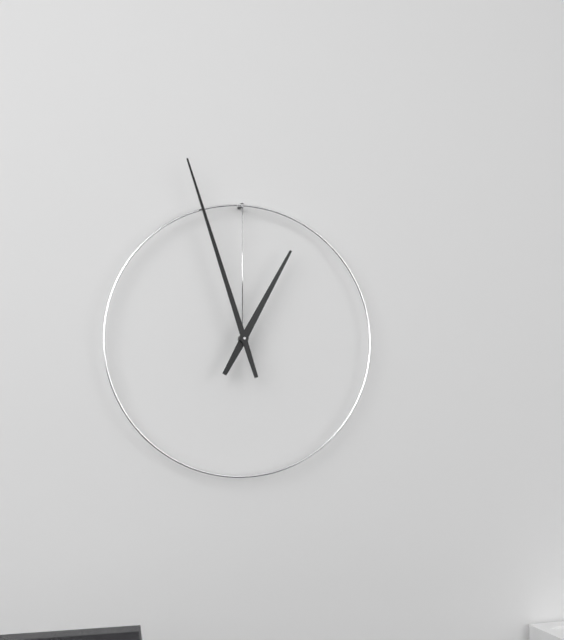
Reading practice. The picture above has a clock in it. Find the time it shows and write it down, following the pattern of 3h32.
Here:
12h57
